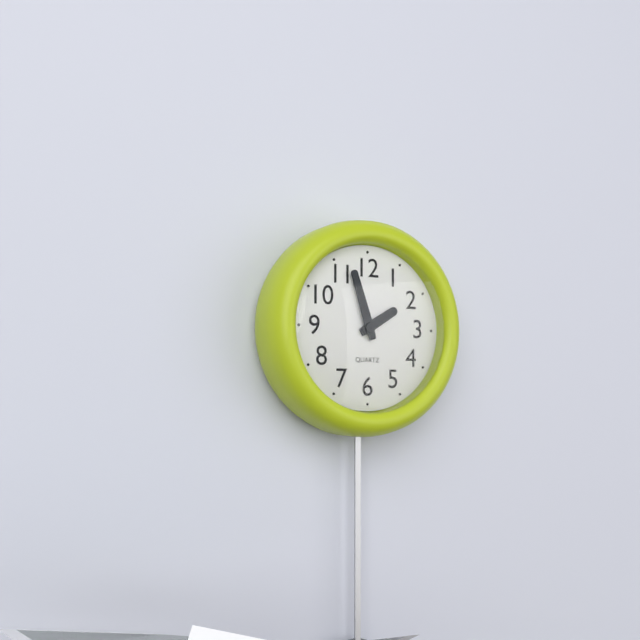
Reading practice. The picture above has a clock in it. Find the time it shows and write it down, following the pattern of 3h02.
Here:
1h57
